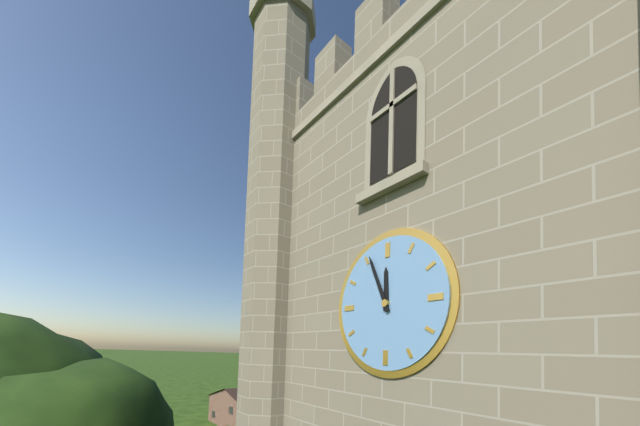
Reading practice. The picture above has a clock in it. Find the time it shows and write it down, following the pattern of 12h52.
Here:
11h56
